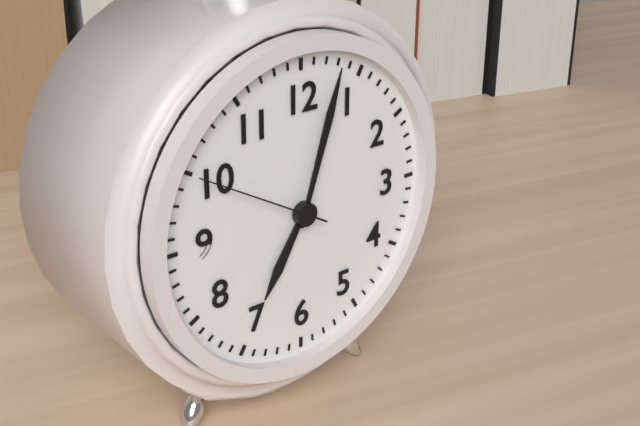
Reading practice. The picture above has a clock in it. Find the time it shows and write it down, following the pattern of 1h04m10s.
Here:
7h03m50s
